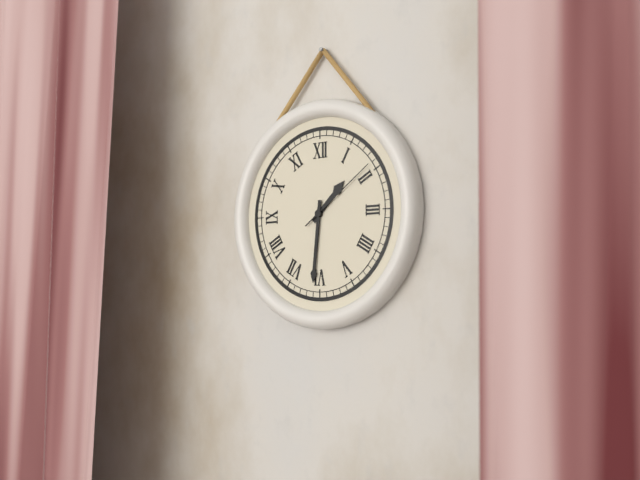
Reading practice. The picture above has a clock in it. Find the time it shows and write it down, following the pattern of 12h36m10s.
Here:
1h31m09s
